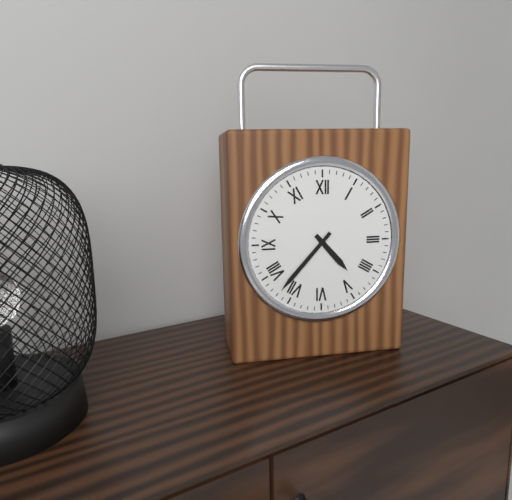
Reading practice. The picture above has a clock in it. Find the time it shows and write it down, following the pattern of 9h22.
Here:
4h37
